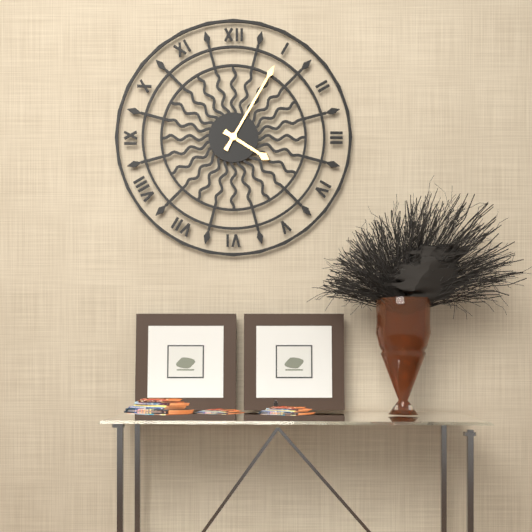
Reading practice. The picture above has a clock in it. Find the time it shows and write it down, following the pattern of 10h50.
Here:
4h05
